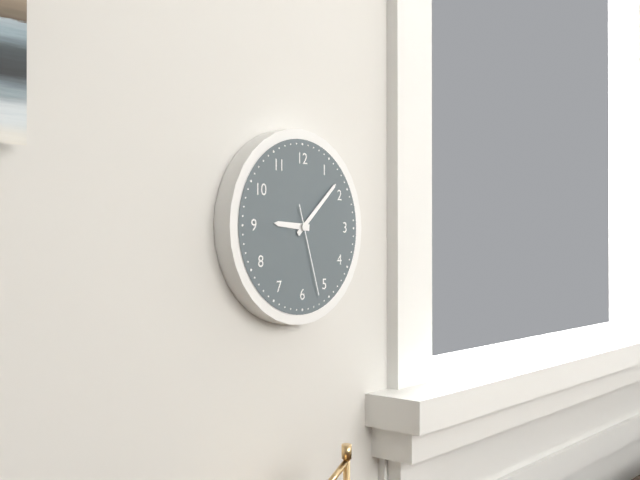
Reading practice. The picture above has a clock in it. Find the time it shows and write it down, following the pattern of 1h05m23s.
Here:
9h08m27s
